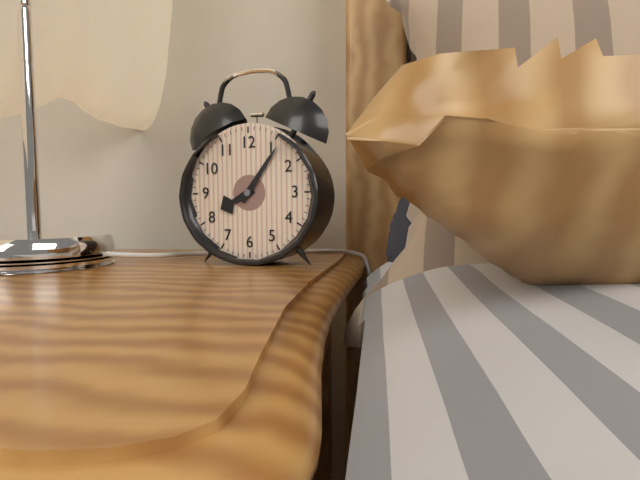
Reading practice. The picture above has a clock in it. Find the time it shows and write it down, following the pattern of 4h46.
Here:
8h06
